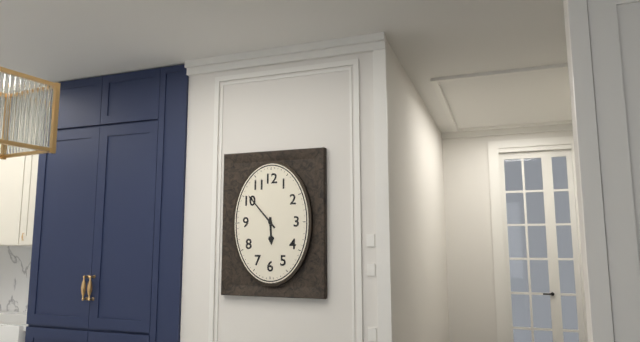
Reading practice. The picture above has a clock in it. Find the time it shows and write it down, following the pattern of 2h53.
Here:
5h53
